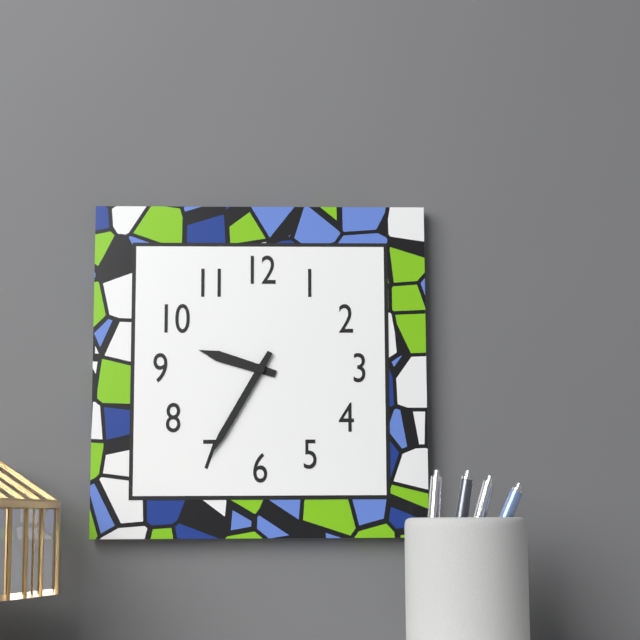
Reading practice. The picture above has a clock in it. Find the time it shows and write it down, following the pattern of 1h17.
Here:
9h35
